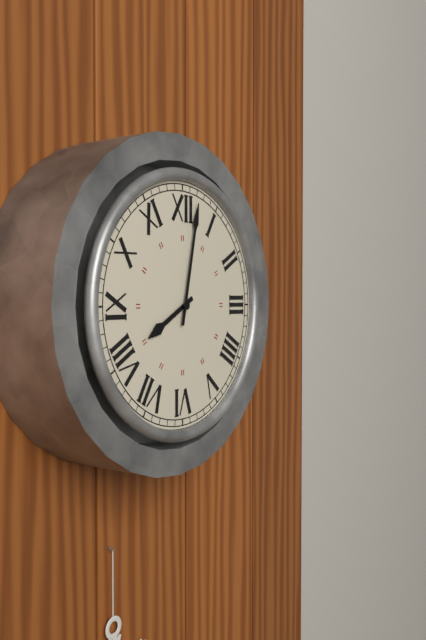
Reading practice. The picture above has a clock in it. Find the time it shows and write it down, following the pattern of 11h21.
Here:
8h02
